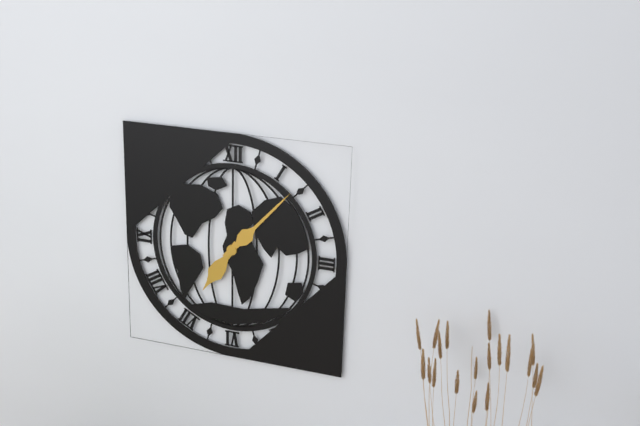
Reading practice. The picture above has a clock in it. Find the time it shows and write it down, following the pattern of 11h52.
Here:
7h07
